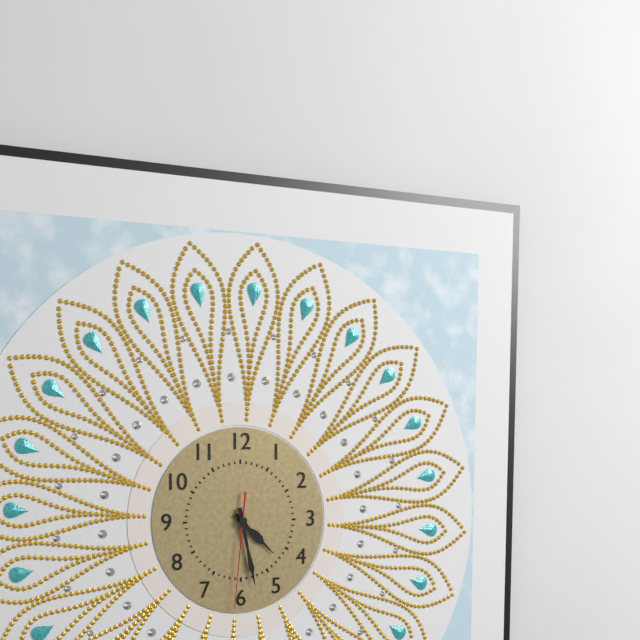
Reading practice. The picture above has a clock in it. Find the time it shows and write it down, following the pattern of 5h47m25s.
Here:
4h28m31s
